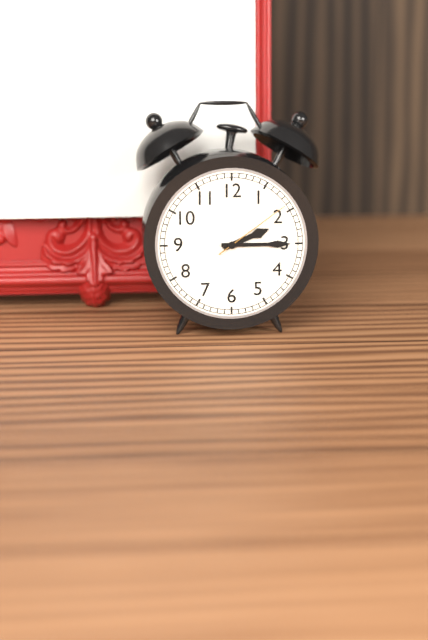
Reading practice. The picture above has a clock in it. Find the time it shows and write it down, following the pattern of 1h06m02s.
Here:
2h15m09s
